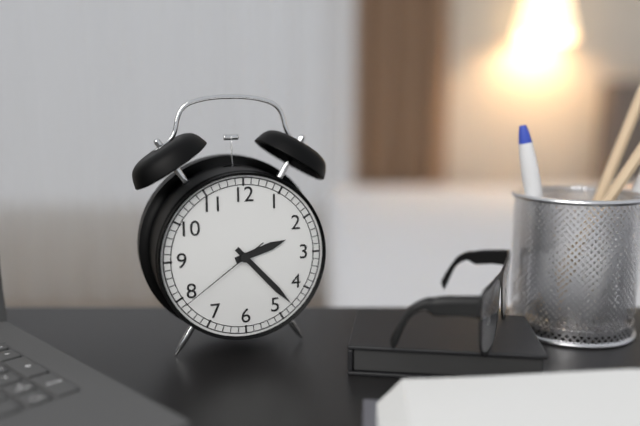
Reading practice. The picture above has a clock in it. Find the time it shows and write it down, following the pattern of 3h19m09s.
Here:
2h23m39s
